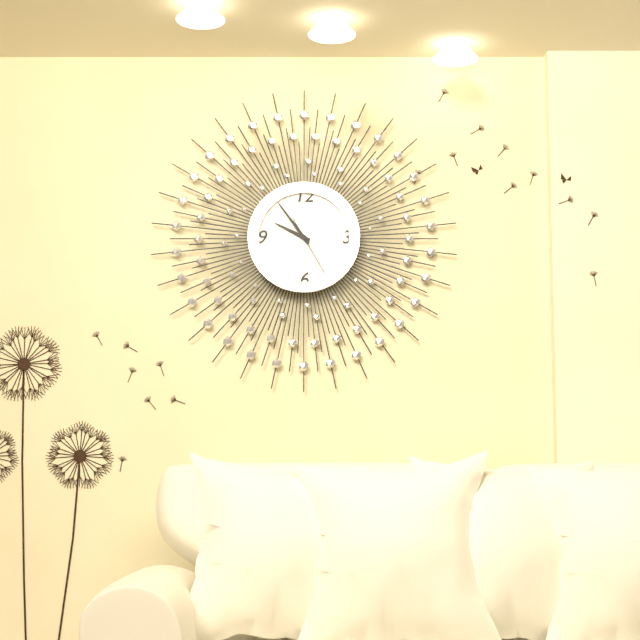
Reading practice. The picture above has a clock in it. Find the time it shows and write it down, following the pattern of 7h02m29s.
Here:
9h54m25s
